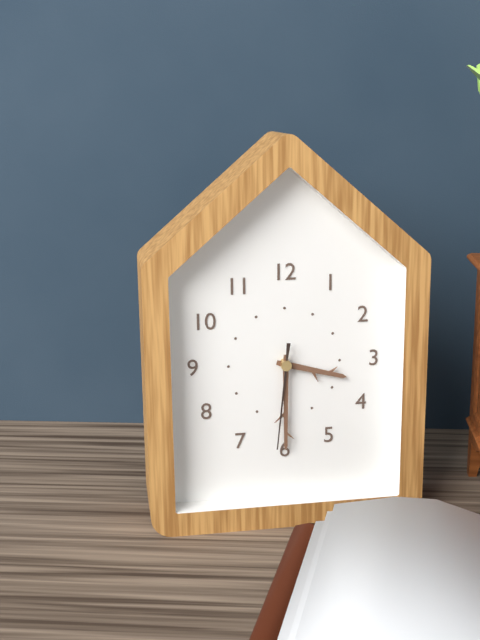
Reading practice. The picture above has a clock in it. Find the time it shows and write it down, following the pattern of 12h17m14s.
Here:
3h30m31s
